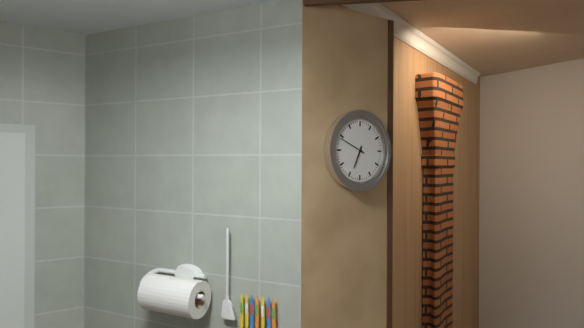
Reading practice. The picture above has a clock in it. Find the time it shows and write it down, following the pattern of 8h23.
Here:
6h49
